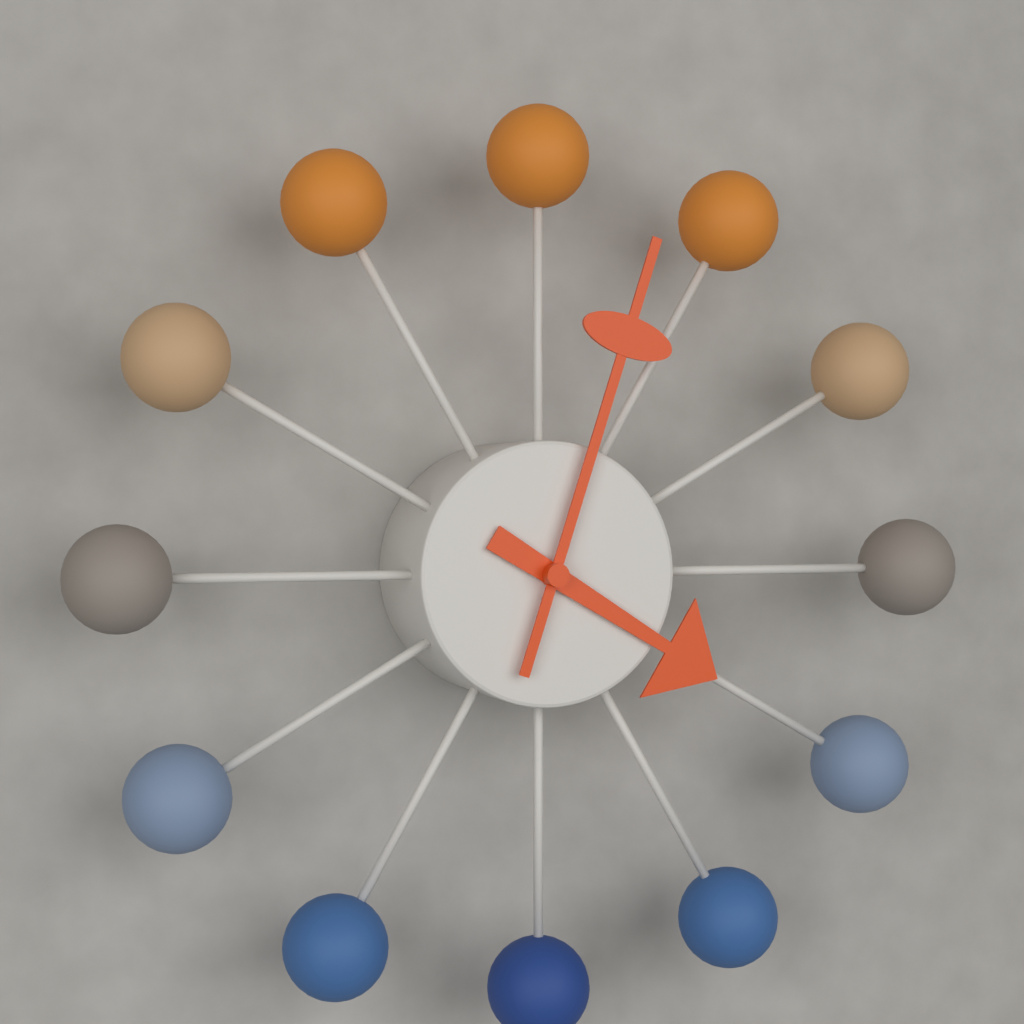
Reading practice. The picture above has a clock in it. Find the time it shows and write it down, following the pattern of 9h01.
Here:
4h03
